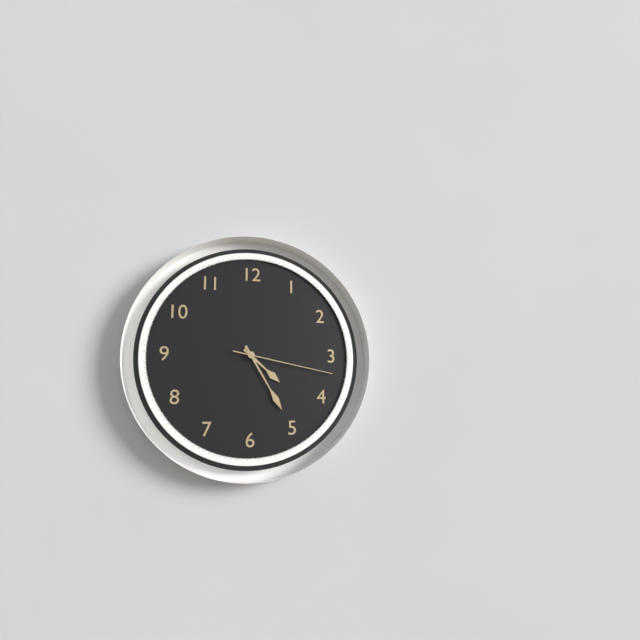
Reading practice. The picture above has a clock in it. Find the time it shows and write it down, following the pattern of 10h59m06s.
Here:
4h25m17s
